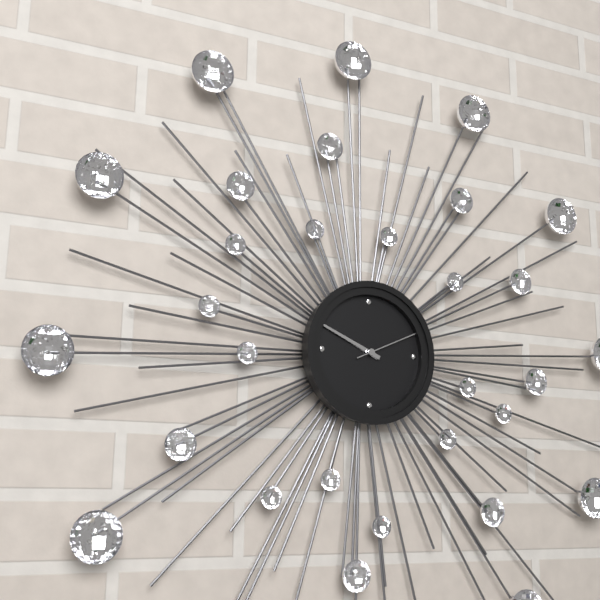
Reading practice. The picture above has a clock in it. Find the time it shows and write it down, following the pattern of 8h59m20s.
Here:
9h49m11s
